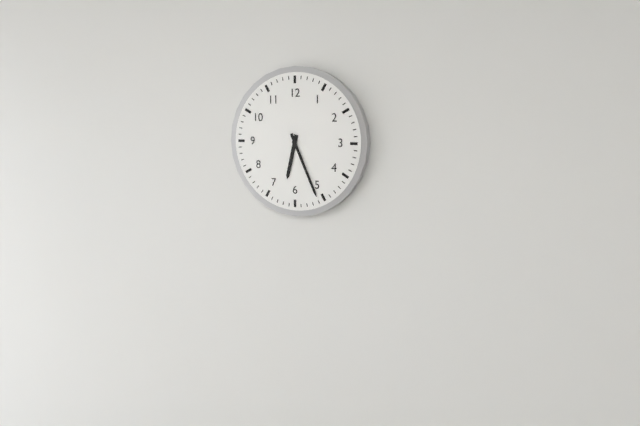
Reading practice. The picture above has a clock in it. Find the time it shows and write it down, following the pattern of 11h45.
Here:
6h26
